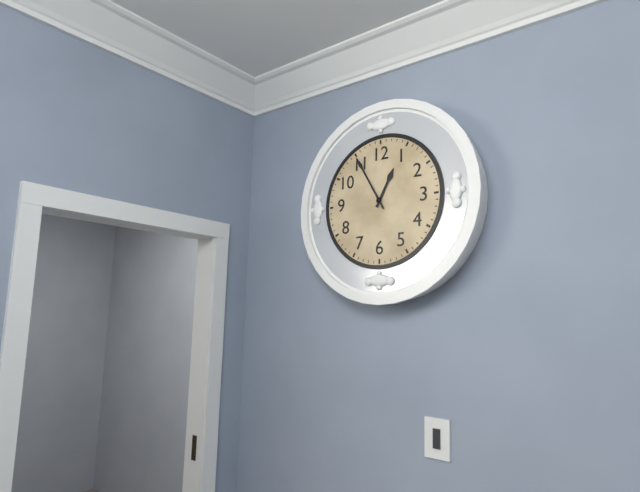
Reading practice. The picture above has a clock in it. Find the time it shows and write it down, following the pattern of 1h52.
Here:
12h55
